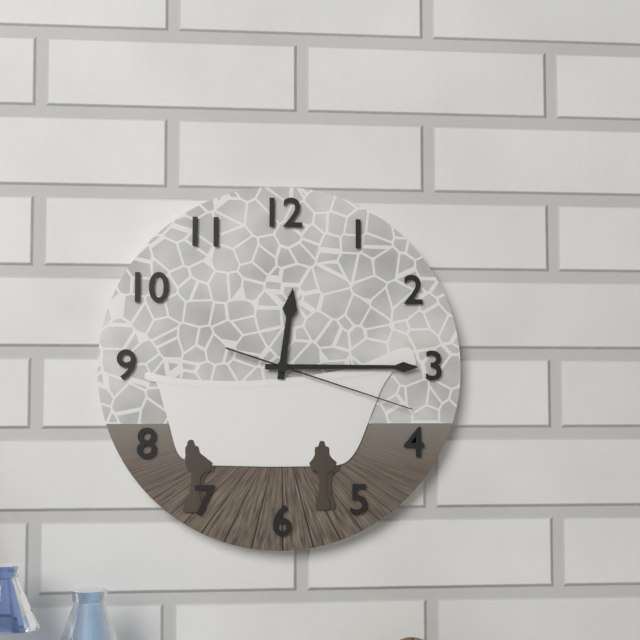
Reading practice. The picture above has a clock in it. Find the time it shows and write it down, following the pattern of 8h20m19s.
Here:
12h15m18s
